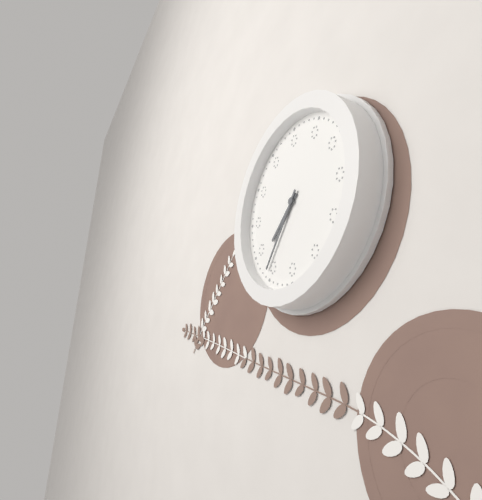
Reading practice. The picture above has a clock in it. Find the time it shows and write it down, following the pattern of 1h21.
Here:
7h36
